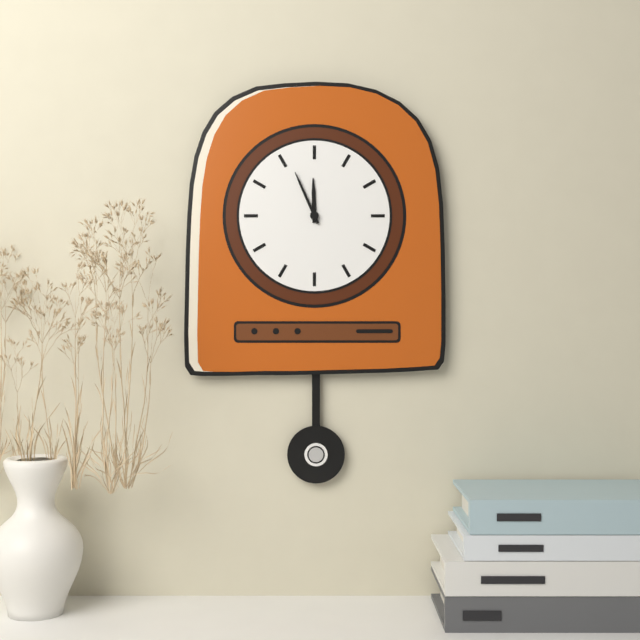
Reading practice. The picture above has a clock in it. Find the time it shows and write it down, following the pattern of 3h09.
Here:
11h56
